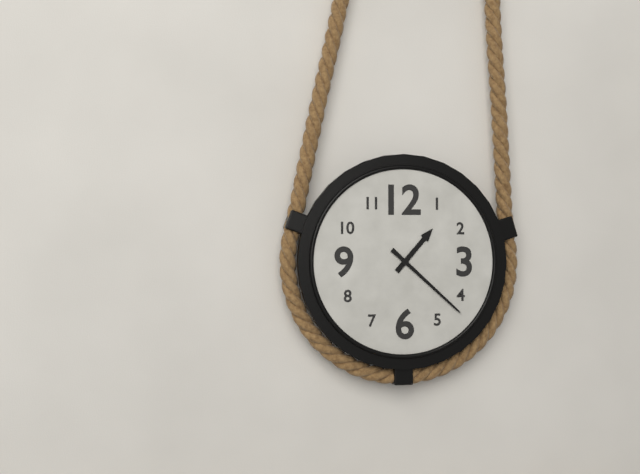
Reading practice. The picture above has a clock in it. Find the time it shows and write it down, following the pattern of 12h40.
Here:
1h22
